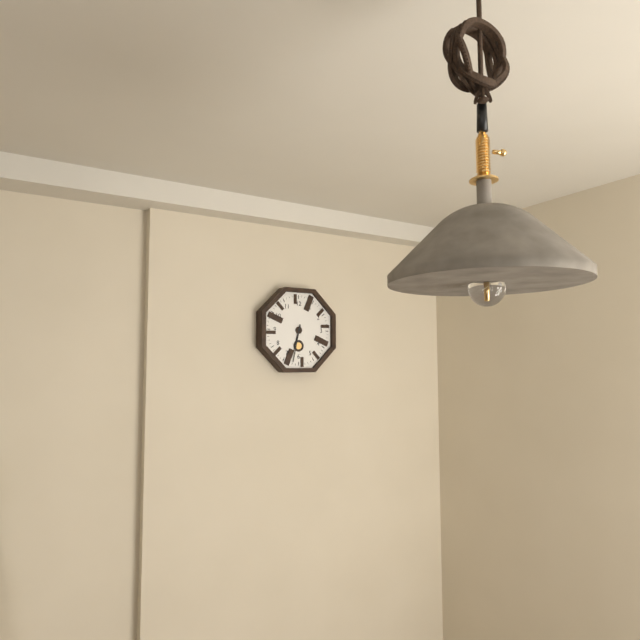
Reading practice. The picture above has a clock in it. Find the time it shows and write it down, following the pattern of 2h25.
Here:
6h32
